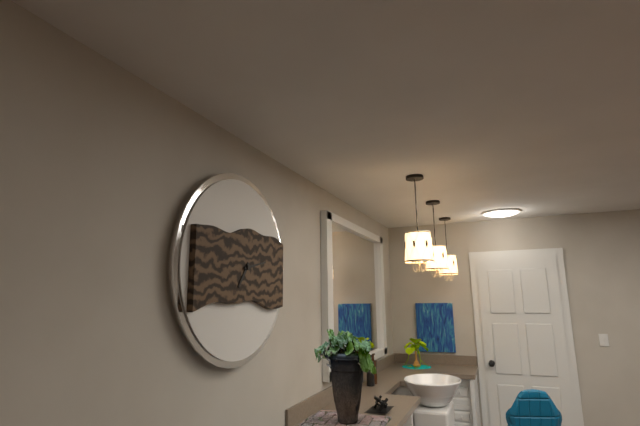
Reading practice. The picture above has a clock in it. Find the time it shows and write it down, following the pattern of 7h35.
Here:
7h13
